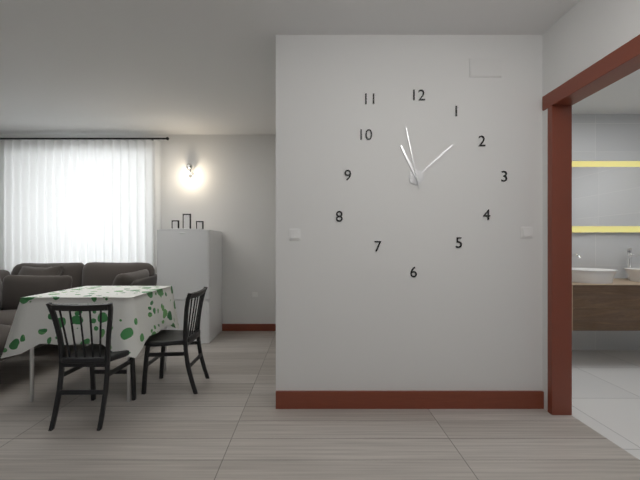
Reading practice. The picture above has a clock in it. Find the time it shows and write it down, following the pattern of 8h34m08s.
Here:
11h08m58s
